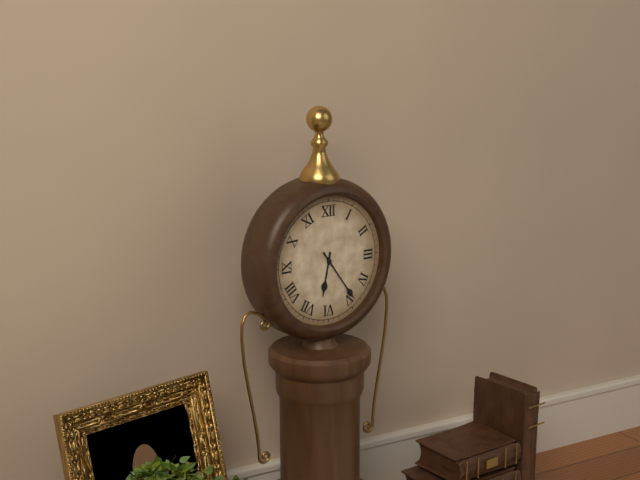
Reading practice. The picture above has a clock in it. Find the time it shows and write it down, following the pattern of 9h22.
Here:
6h24
